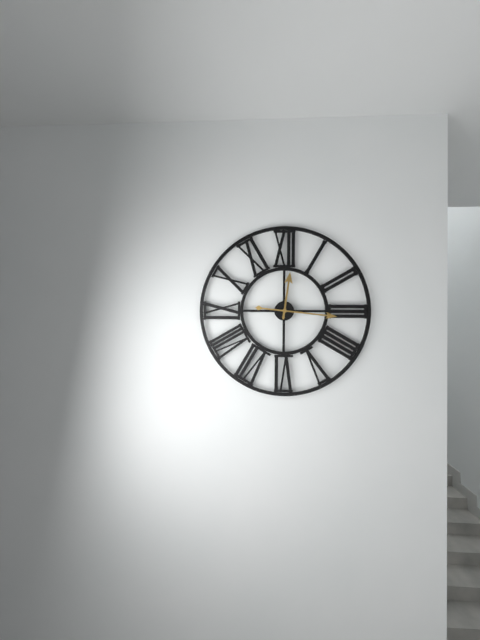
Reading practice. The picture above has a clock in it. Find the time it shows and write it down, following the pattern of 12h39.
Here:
12h16
